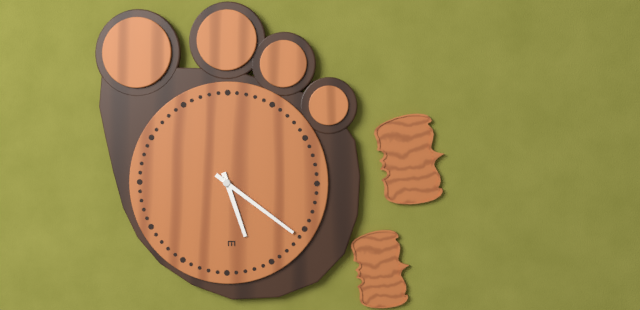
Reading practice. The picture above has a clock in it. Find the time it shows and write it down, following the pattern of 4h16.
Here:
5h21
